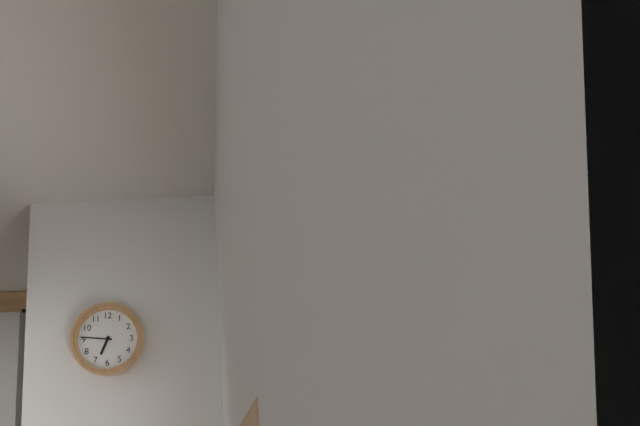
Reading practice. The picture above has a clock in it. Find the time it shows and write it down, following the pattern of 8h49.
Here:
6h46
